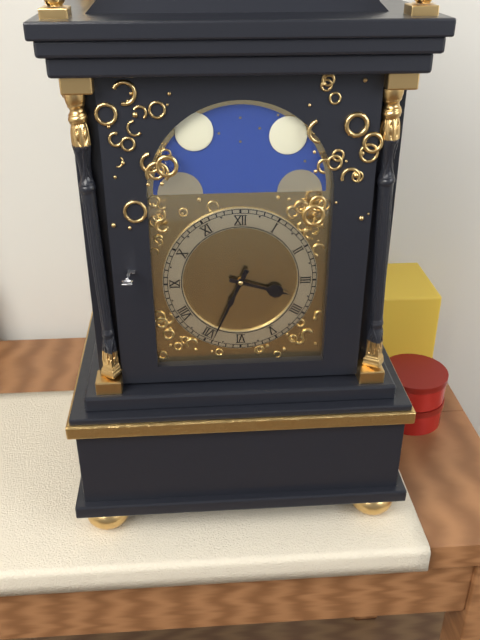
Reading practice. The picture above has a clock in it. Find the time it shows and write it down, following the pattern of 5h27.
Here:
3h34
